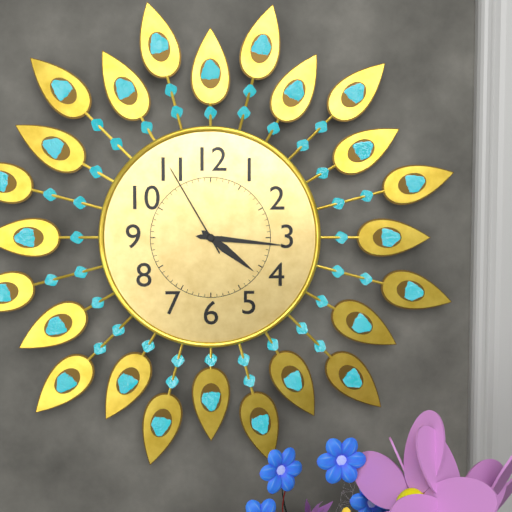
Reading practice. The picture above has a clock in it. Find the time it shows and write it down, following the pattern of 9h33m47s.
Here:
4h16m55s
